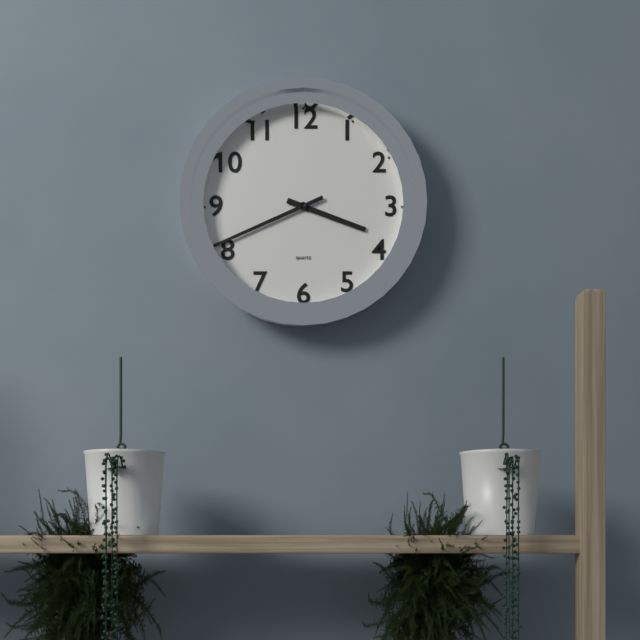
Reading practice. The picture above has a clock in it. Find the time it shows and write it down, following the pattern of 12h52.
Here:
3h41
